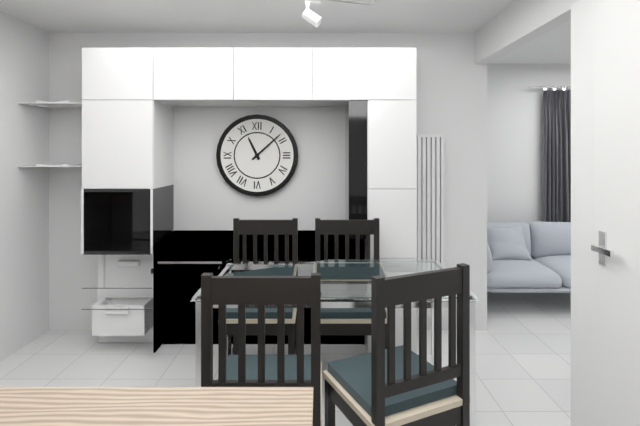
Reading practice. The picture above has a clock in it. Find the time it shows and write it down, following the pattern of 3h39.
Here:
11h08
